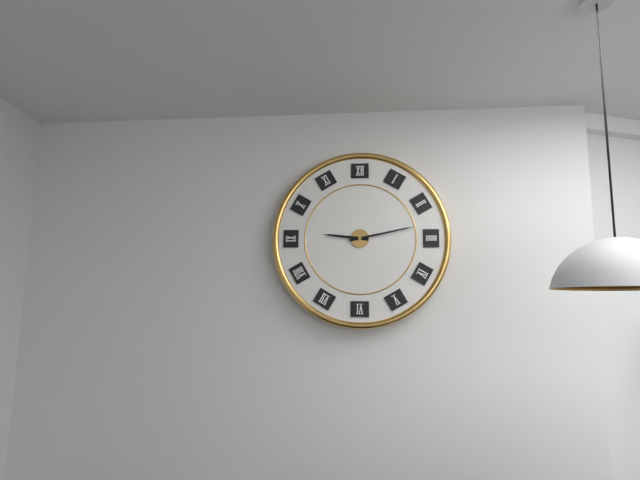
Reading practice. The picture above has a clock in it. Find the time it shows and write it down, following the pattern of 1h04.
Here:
9h13
